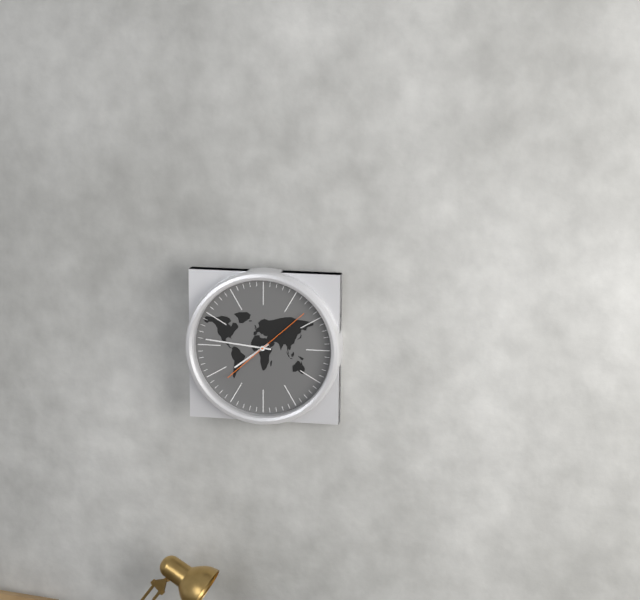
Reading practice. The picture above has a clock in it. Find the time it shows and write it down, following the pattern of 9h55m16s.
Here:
7h46m08s
